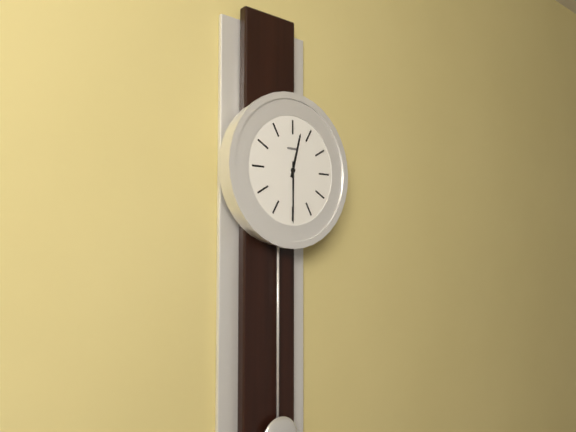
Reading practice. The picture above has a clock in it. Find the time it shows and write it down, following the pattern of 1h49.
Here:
12h30
